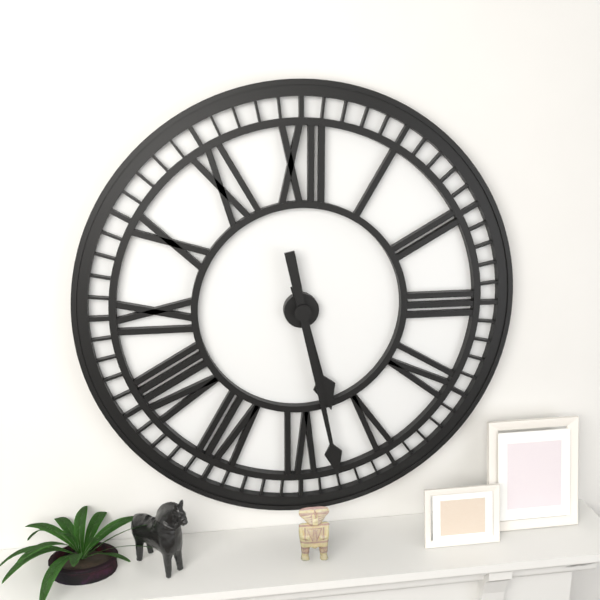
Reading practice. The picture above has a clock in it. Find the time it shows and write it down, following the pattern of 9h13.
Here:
5h28
